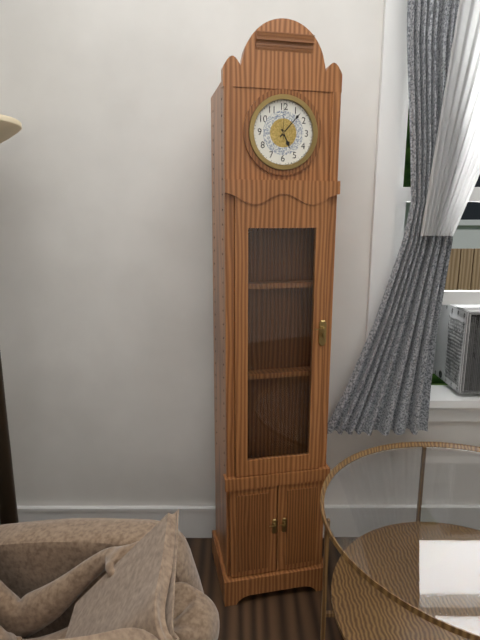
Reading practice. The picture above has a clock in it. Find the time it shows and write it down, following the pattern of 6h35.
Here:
5h07
